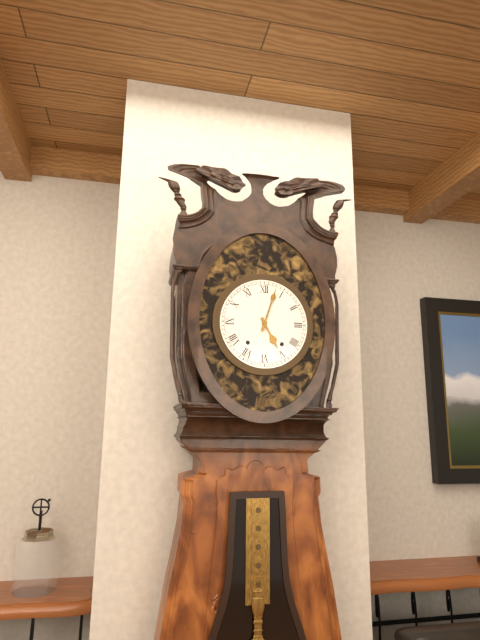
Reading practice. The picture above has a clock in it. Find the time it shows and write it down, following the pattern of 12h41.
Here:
5h03
